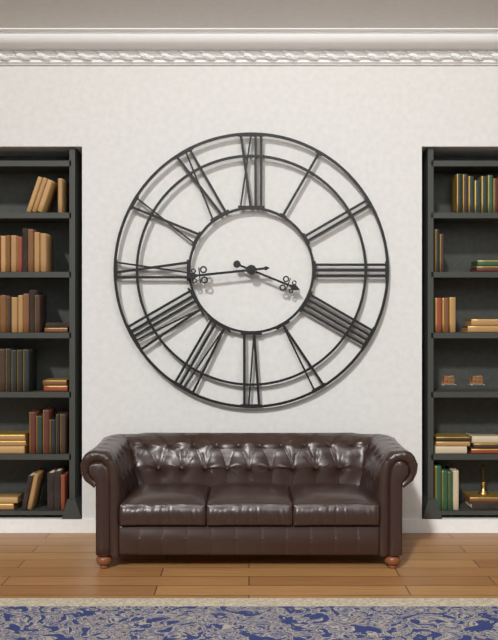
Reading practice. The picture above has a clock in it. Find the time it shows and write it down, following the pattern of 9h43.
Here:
3h44
